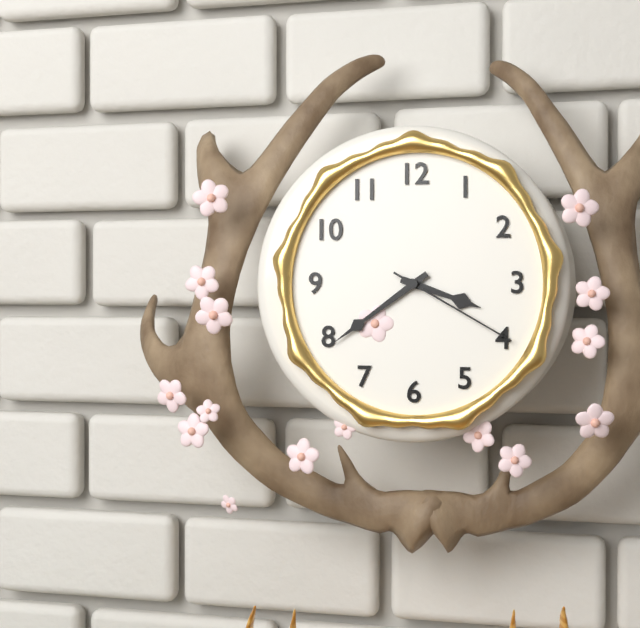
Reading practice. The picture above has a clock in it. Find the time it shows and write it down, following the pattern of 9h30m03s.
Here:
3h39m20s
